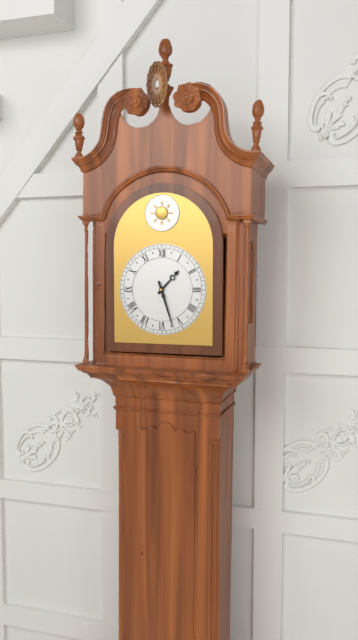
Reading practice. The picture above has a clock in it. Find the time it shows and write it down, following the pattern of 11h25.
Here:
1h27
